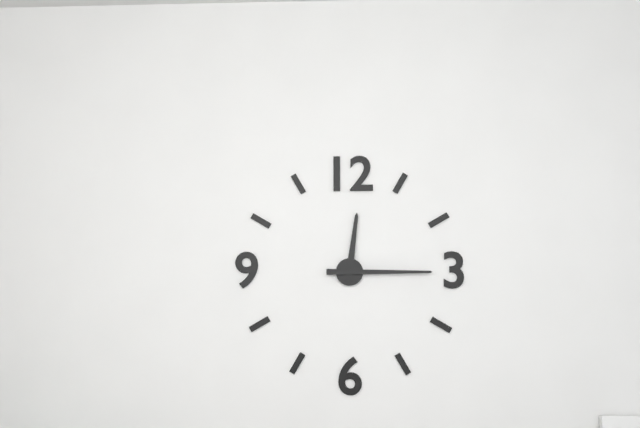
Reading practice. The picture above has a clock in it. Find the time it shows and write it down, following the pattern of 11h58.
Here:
12h15
